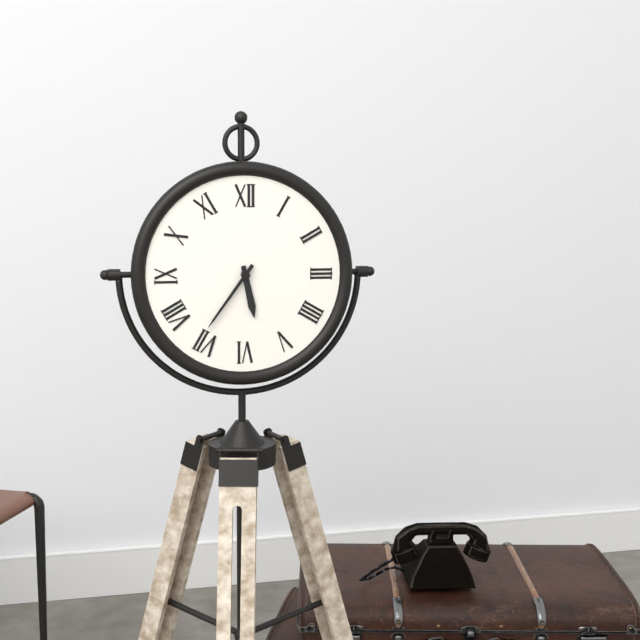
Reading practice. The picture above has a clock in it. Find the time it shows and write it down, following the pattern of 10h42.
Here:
5h36
